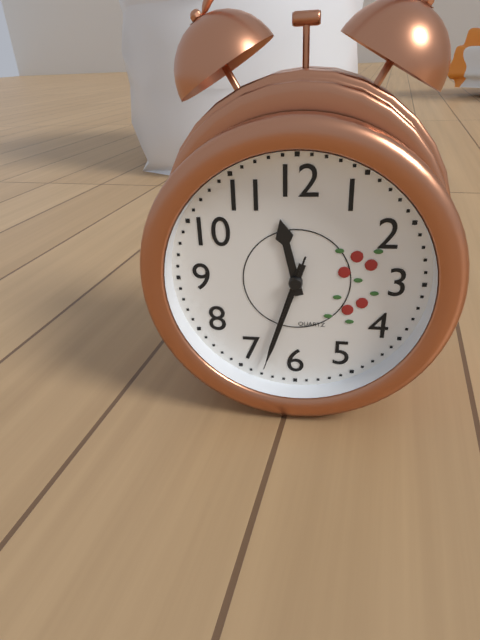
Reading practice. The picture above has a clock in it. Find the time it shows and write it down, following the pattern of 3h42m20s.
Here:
11h33m33s
